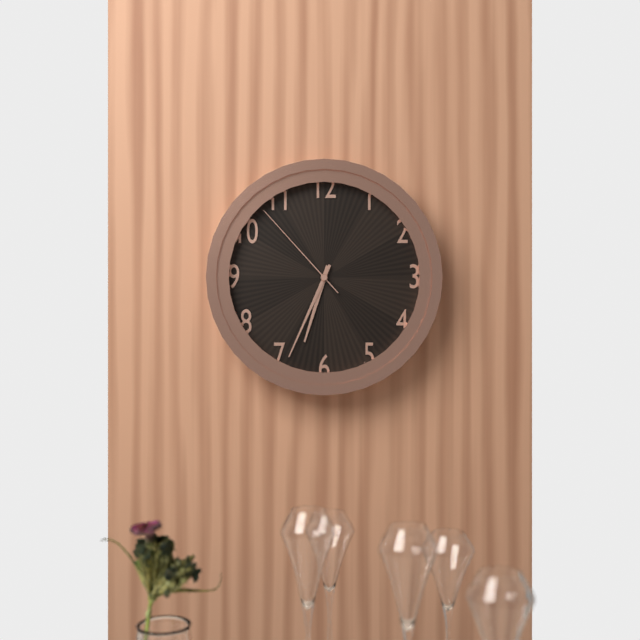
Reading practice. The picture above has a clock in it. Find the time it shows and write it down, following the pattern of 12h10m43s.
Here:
6h34m53s
